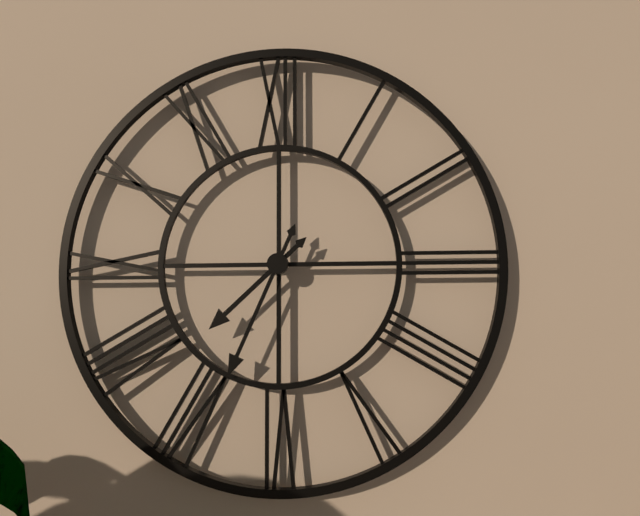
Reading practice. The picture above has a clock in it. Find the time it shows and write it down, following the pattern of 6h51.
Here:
7h34
